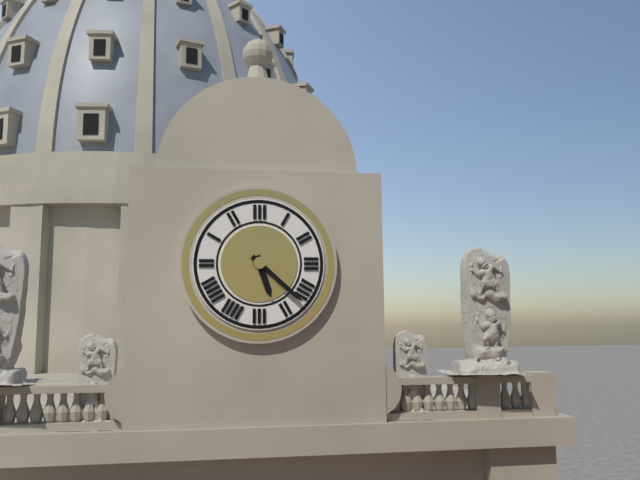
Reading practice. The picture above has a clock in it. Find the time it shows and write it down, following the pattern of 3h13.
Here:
5h22
